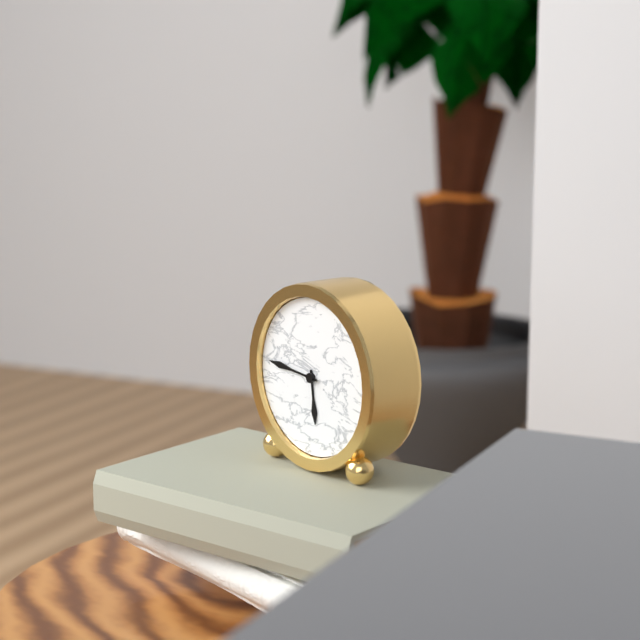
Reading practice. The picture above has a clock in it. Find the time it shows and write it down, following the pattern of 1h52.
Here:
5h46
